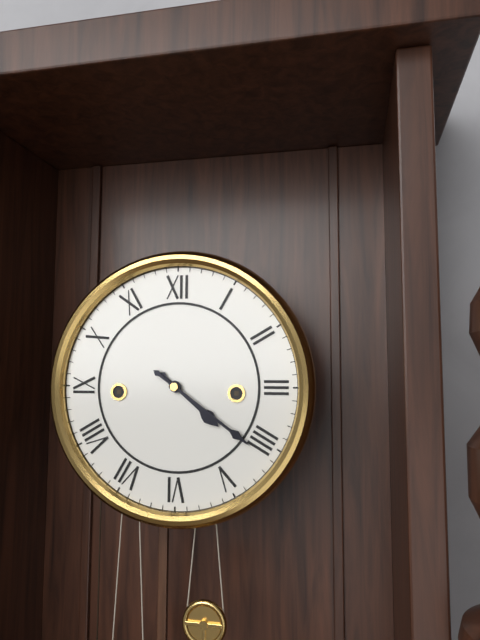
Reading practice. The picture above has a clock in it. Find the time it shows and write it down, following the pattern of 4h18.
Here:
4h21
